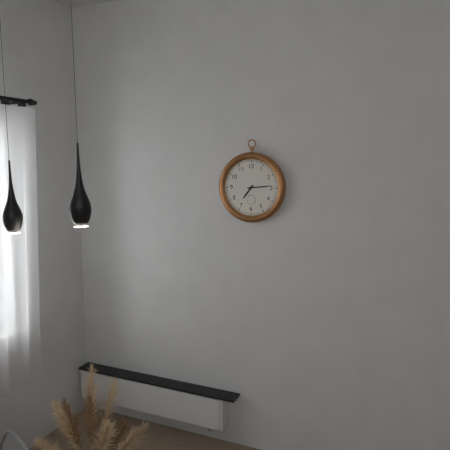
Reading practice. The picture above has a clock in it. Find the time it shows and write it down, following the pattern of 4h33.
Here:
7h14
